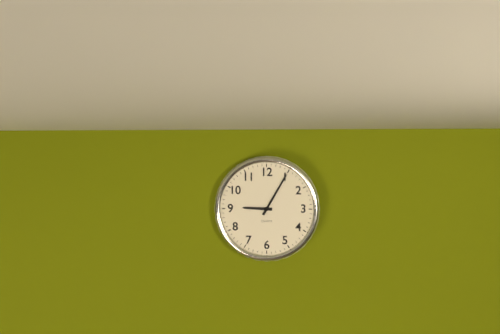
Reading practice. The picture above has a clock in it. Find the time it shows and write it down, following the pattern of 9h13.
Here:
9h05
